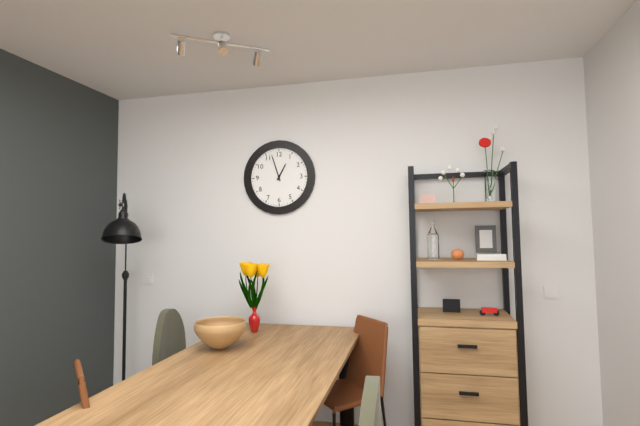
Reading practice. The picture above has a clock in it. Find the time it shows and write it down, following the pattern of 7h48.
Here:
12h57
